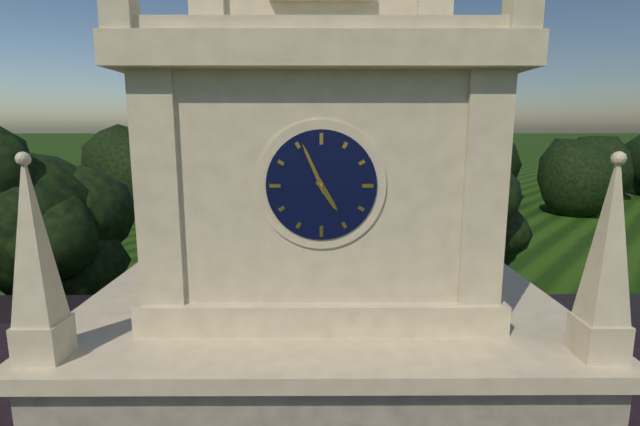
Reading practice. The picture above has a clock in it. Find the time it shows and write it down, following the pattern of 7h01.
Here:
4h56
